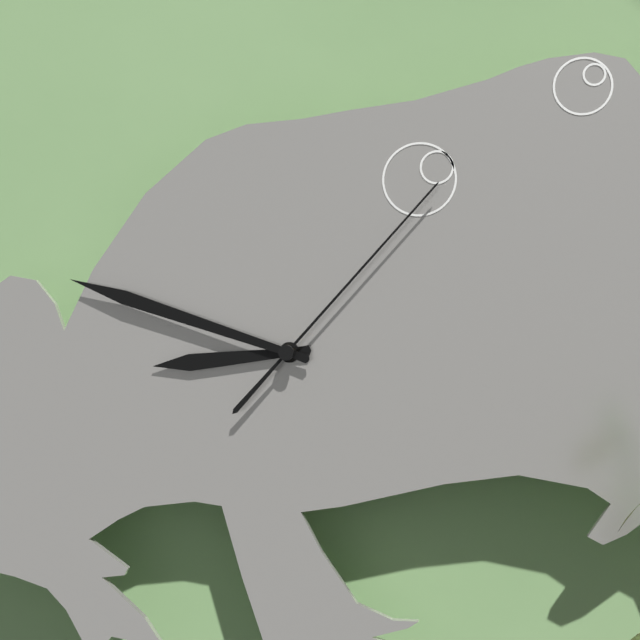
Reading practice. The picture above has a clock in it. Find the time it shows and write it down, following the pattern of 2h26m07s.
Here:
8h48m07s
